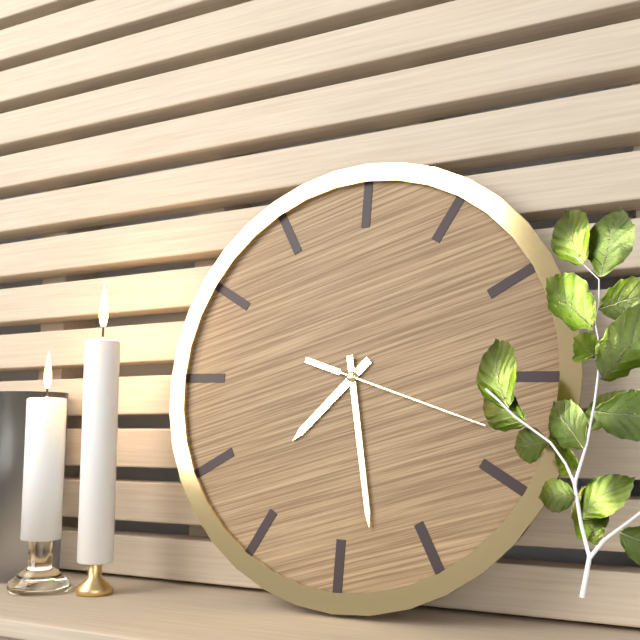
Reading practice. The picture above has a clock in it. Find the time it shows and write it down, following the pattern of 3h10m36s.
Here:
7h28m18s
